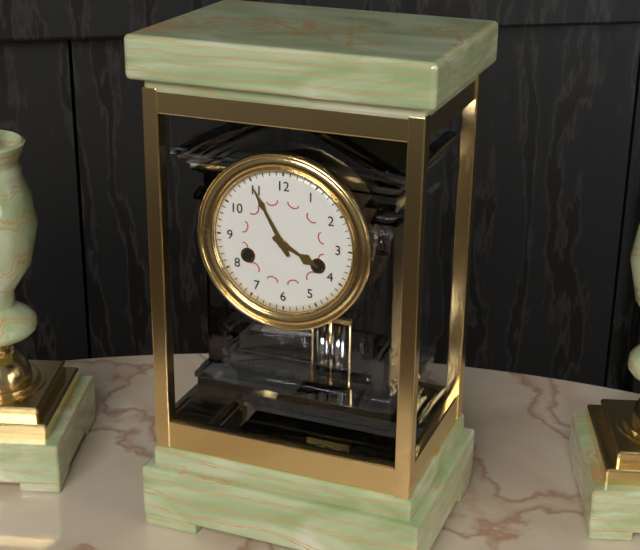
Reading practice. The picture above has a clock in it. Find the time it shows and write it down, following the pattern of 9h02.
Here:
3h55
